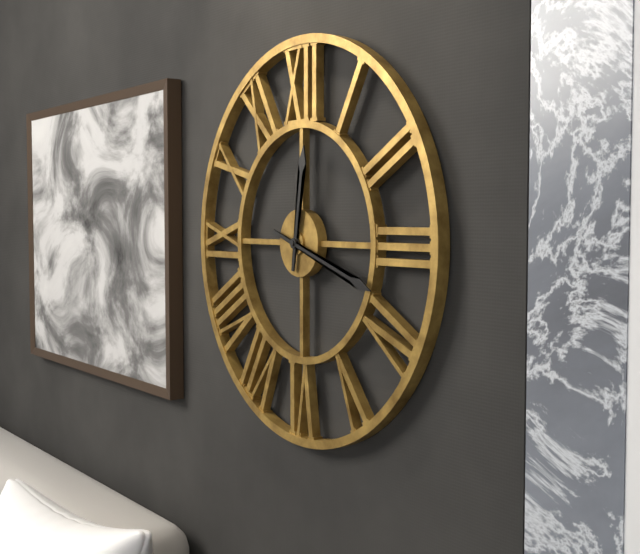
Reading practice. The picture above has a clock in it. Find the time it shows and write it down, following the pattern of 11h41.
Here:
12h18
